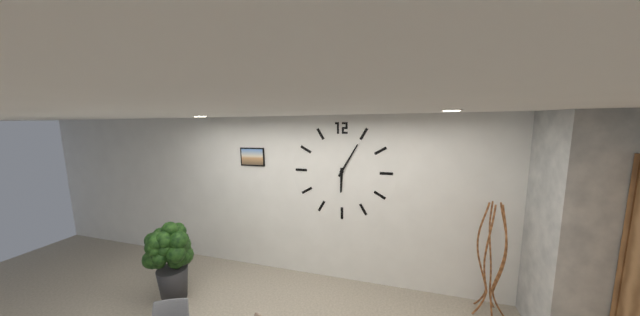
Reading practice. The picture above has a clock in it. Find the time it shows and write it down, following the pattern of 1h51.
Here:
6h05
